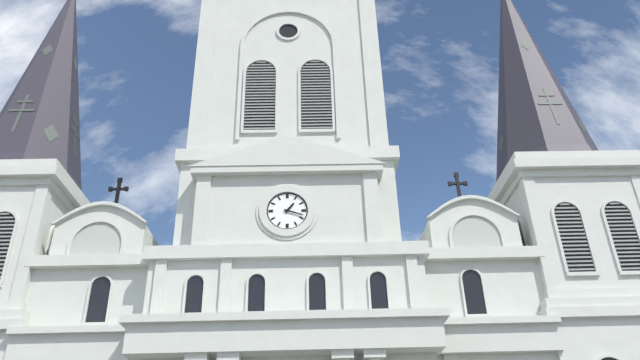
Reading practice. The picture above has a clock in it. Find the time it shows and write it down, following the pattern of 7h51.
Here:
1h18
